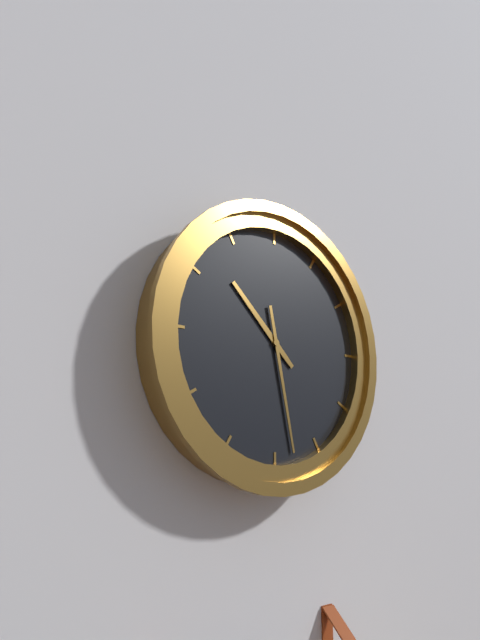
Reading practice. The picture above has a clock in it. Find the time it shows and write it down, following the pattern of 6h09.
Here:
10h28
